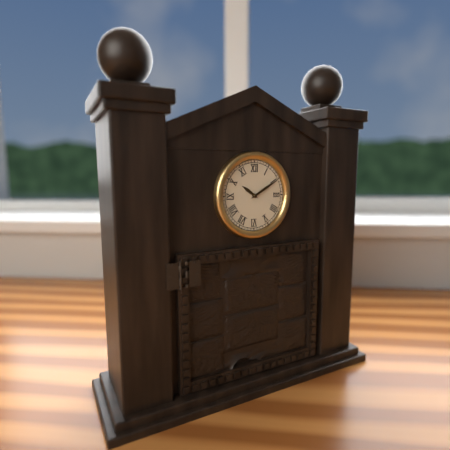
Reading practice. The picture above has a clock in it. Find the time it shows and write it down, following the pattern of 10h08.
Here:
10h10
